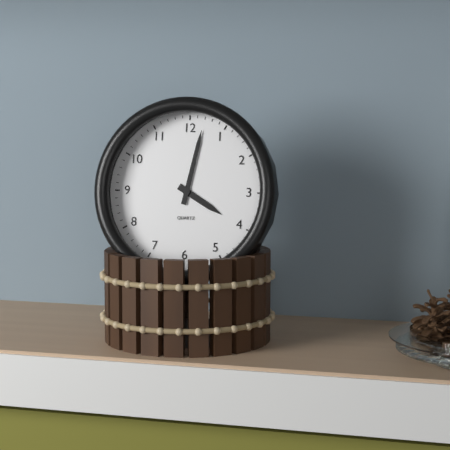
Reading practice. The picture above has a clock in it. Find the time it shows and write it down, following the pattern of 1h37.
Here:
4h02
